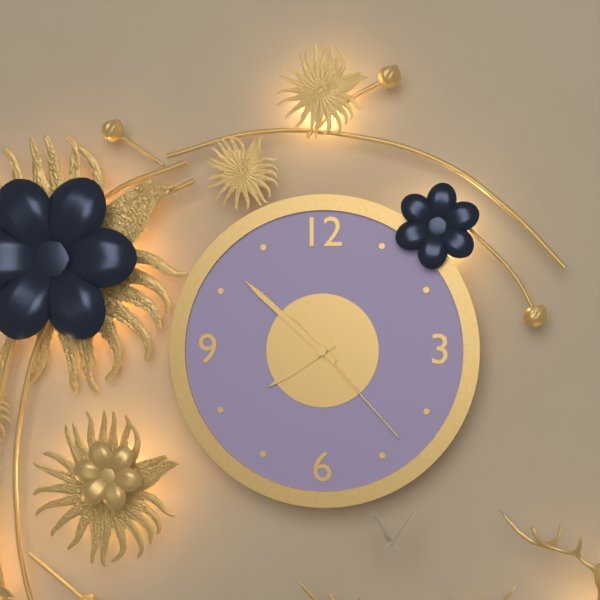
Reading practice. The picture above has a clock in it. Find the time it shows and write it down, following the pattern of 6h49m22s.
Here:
7h52m23s
